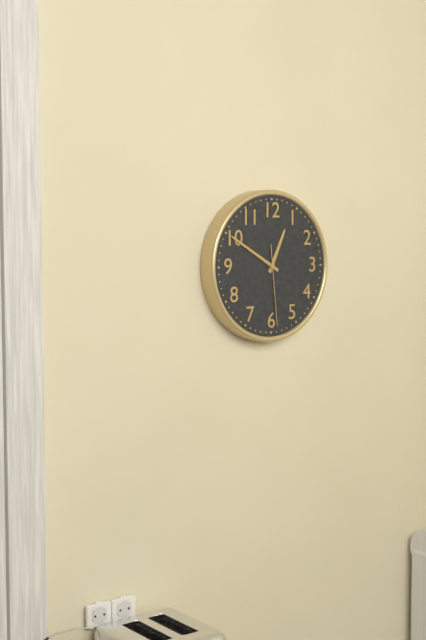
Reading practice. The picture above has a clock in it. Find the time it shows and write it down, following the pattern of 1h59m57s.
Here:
12h50m29s
